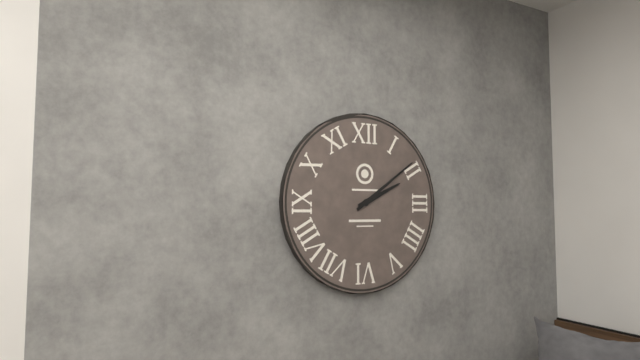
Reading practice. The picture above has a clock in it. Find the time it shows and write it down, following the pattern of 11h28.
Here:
2h09
